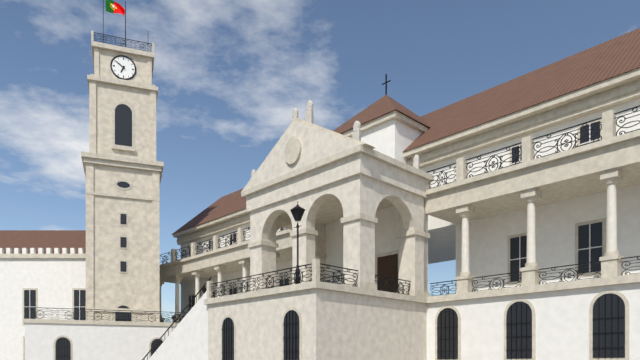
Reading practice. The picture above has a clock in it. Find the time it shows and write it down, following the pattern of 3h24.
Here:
6h51
